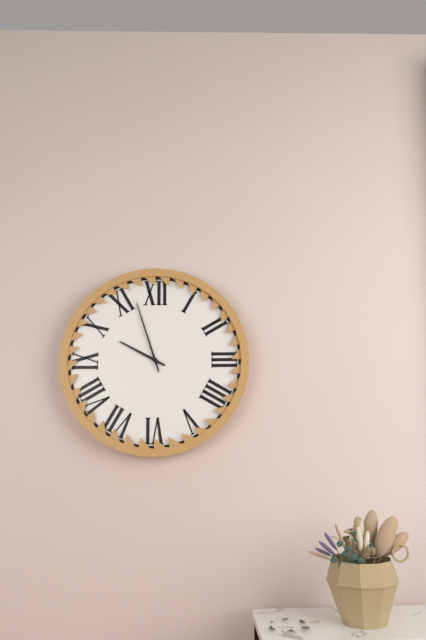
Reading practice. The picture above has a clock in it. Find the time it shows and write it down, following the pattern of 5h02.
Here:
9h57
